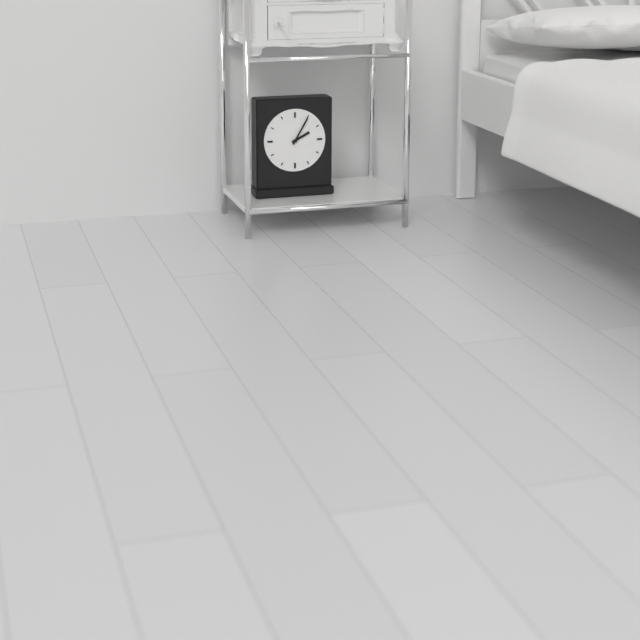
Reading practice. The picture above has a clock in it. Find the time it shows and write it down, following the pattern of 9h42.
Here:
2h05
